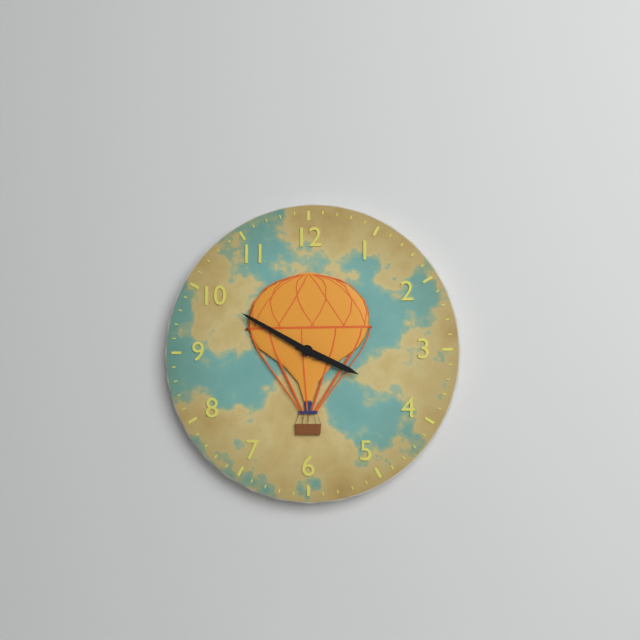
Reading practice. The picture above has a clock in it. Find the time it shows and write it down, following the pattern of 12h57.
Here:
3h50
